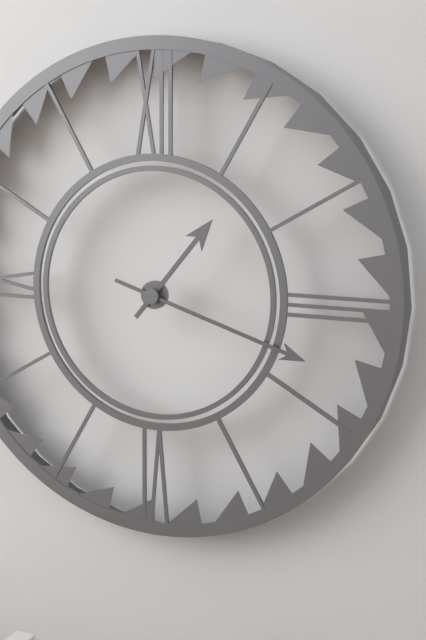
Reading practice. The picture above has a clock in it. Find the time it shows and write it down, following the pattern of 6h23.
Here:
1h18
